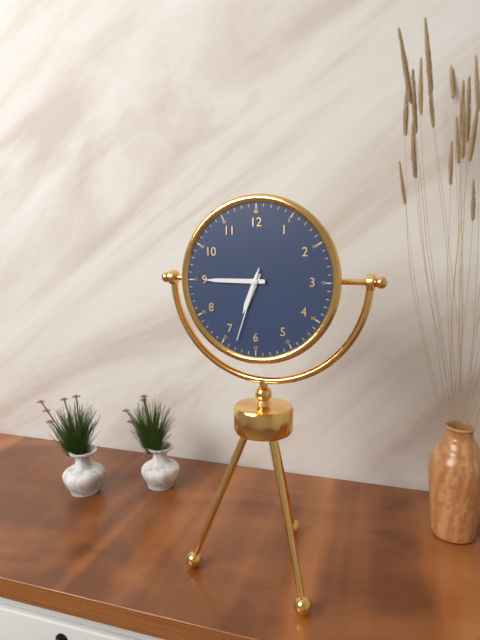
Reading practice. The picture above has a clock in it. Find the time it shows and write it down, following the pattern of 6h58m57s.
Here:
6h45m33s
